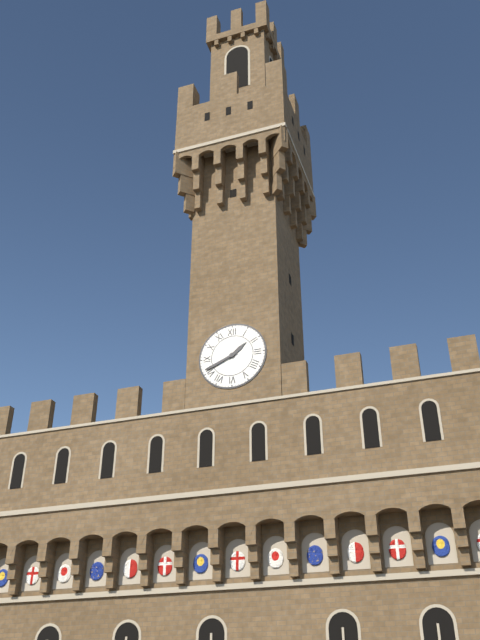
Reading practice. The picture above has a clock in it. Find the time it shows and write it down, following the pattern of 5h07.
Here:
1h41
